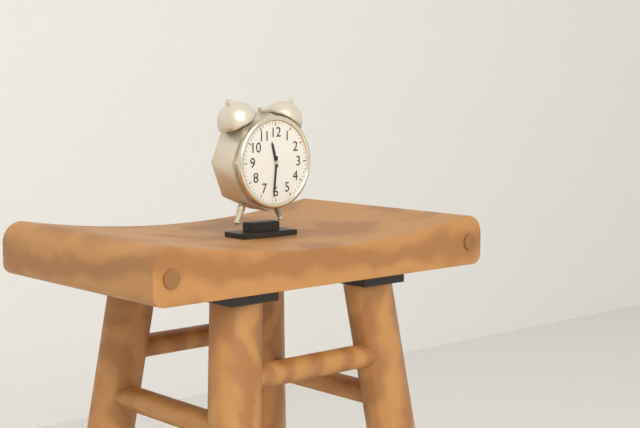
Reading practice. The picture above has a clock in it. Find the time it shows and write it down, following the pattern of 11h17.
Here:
11h31
